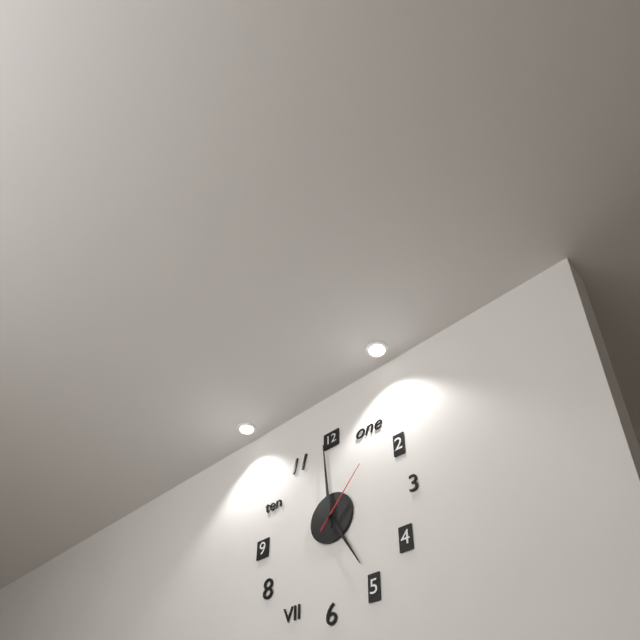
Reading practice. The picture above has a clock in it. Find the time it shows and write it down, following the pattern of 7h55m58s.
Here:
4h59m07s
